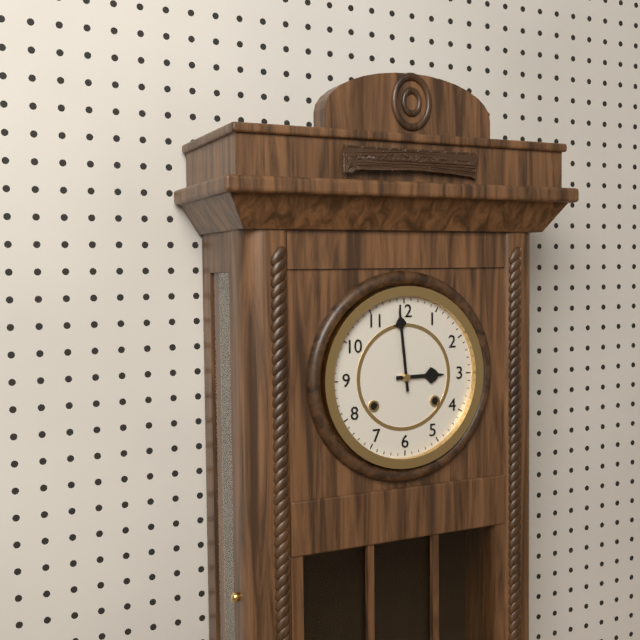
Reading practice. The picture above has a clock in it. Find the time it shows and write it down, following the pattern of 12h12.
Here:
2h59
